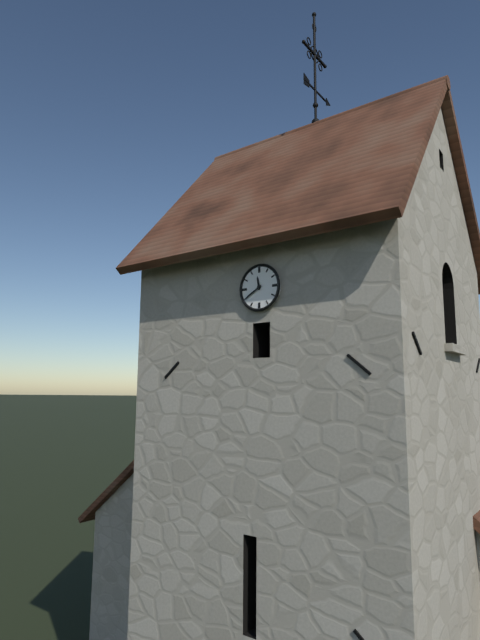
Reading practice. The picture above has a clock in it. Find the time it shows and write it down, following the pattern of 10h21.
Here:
11h40
